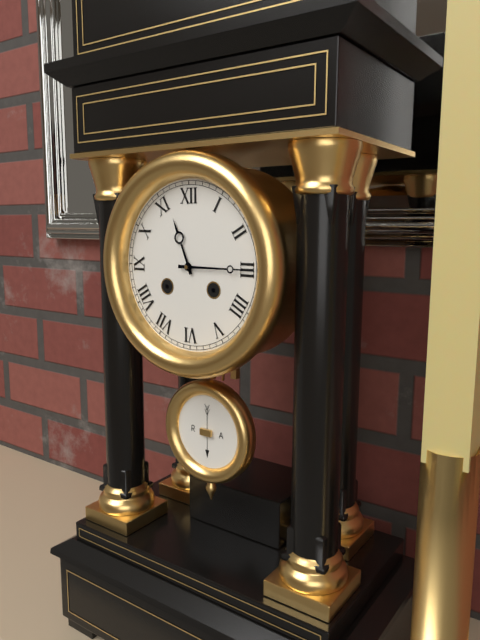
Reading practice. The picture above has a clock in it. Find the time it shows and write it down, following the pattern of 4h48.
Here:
11h15
